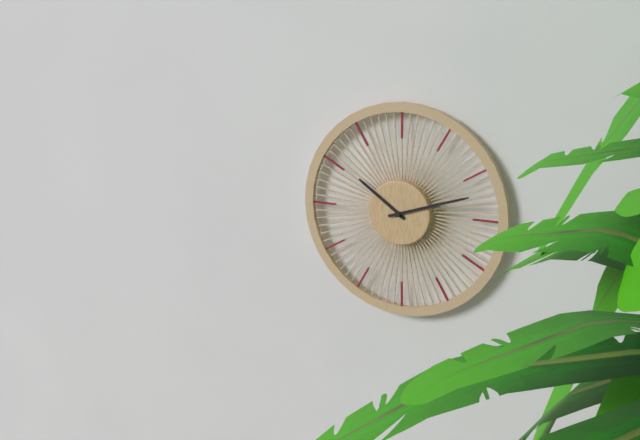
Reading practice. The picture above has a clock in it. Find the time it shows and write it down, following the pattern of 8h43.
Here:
10h12
